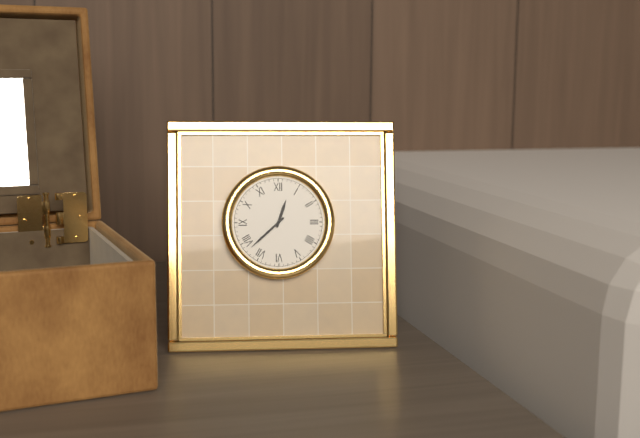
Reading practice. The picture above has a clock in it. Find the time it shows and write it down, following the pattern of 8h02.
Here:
12h38
